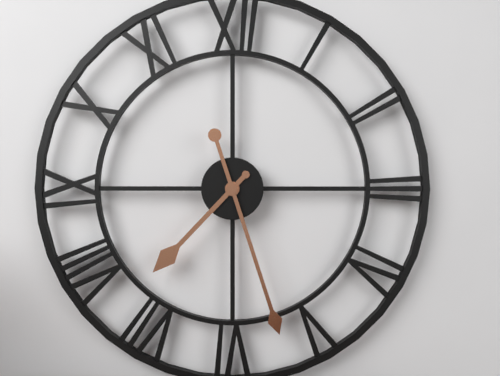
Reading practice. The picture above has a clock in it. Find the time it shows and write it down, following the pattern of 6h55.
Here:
7h27
